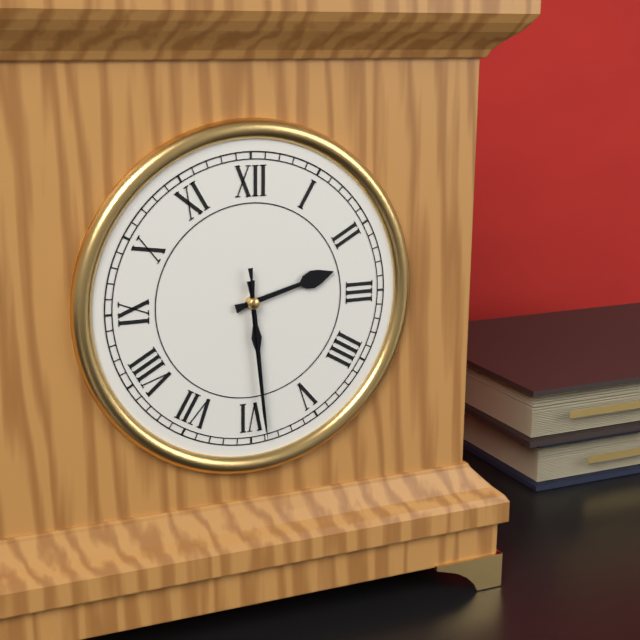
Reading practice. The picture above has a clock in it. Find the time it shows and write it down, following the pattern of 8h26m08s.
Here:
2h29m29s
